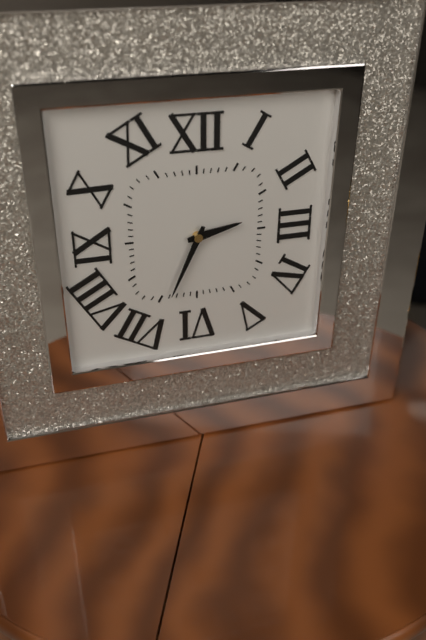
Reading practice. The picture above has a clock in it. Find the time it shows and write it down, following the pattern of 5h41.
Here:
2h34
